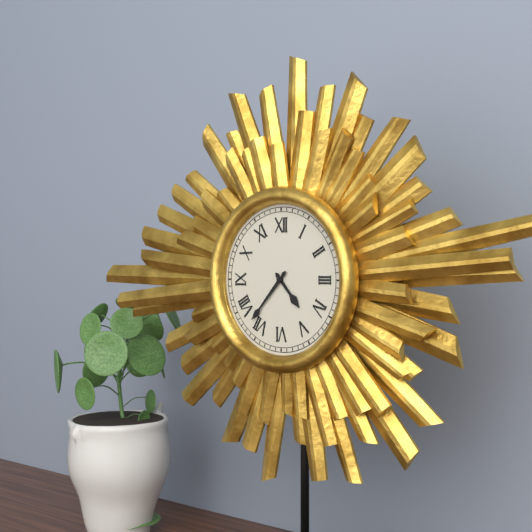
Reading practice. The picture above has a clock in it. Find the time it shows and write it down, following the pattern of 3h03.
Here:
4h37
